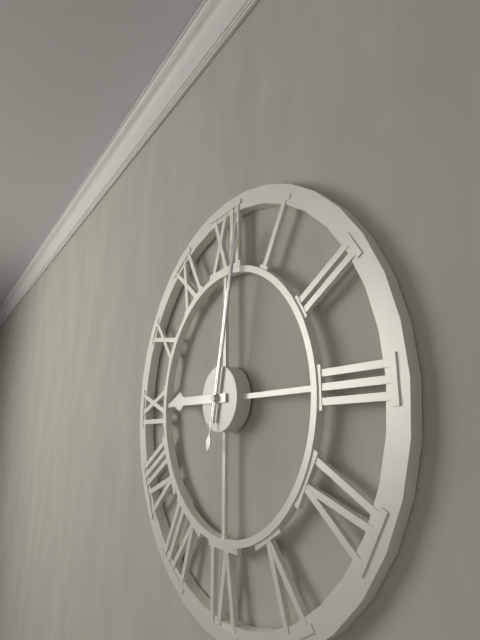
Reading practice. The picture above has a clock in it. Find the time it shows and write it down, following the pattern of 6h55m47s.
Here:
9h02m02s
